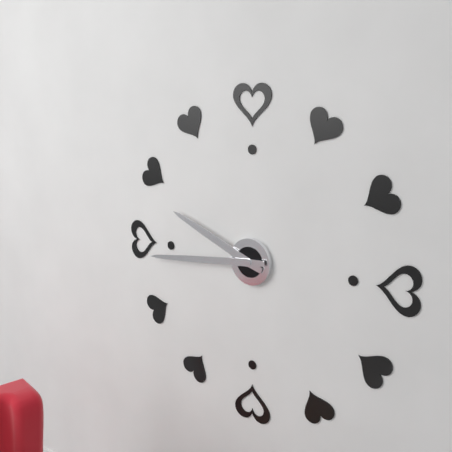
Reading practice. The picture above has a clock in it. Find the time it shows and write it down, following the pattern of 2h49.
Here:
9h44
